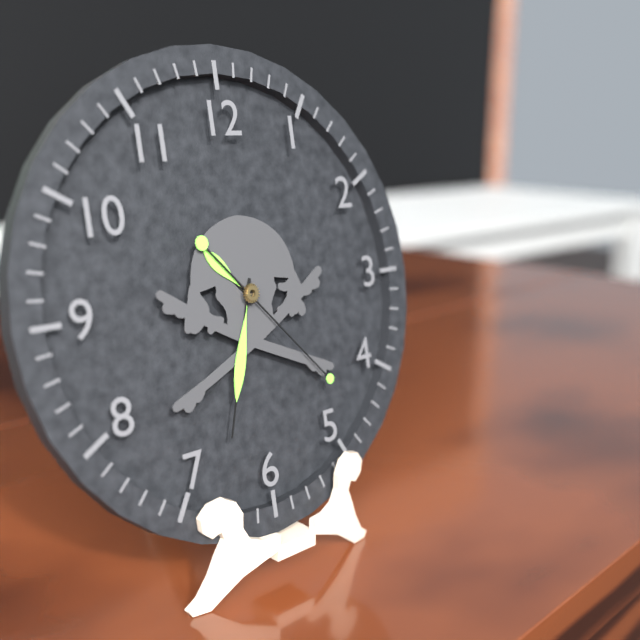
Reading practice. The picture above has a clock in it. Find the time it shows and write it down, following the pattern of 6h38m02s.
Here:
10h33m23s
